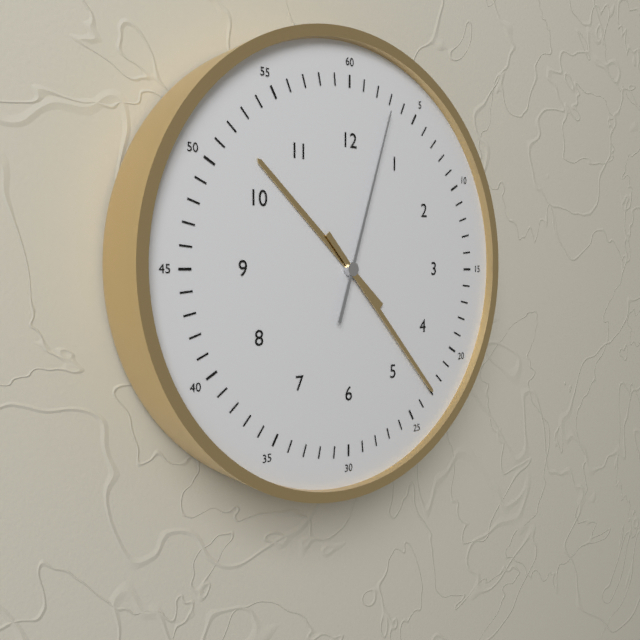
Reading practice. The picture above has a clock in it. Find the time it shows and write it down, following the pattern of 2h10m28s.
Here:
10h23m03s
